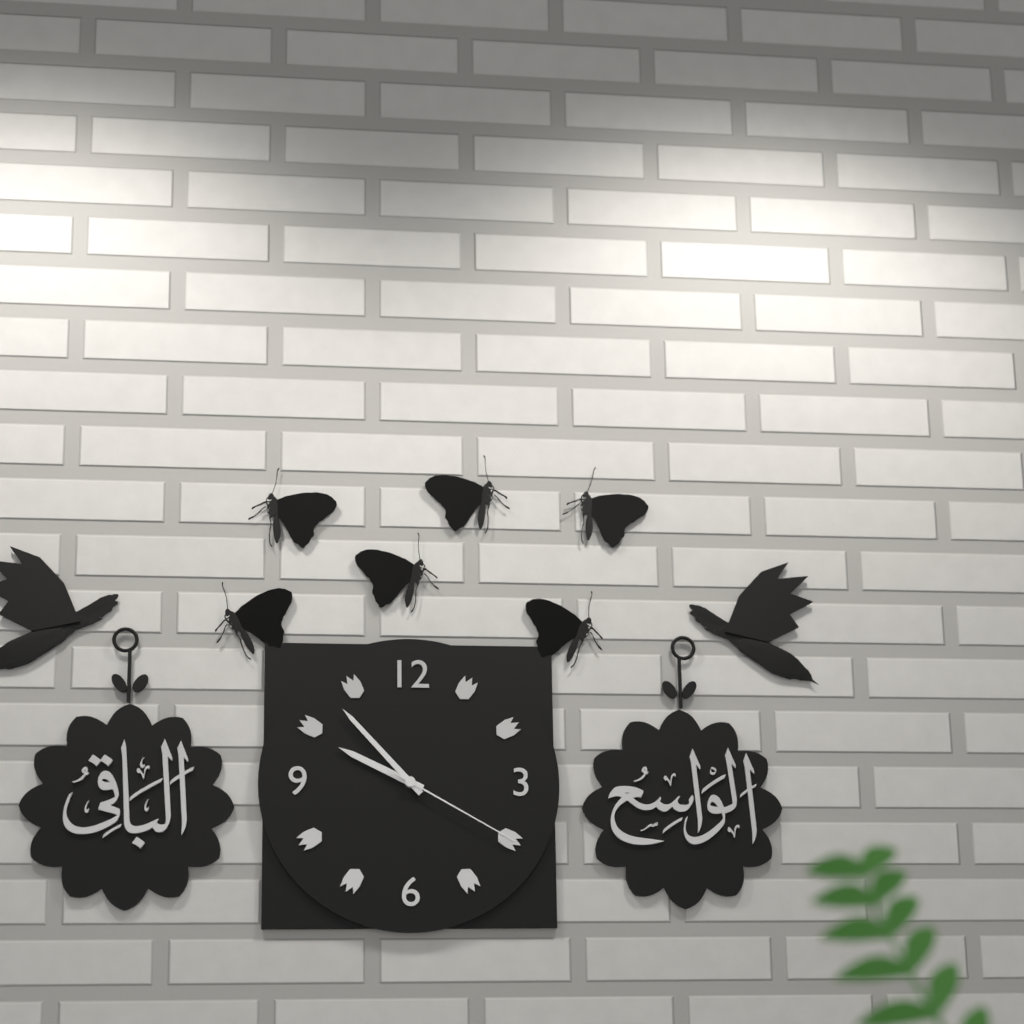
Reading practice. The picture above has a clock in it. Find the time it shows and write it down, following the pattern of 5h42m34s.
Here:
9h53m20s
